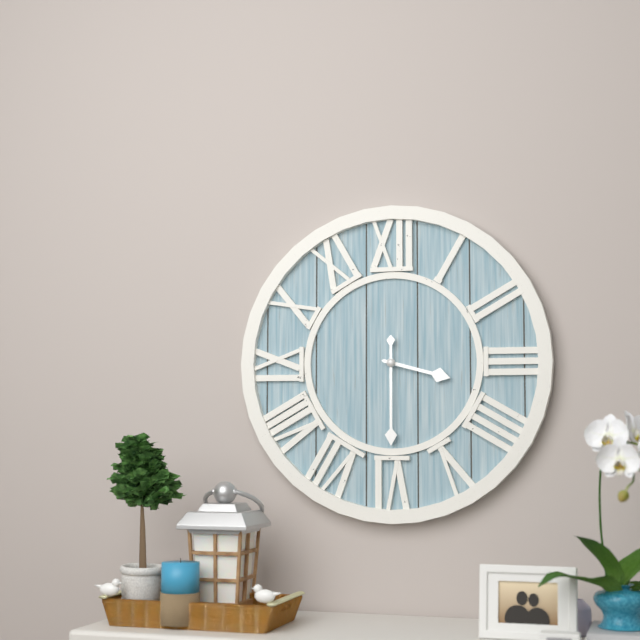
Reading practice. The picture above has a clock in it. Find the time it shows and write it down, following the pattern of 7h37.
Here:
3h30
